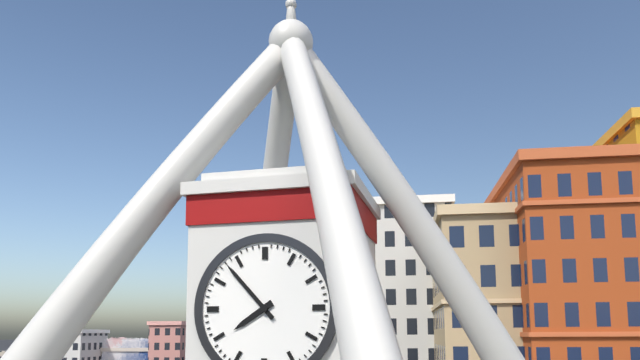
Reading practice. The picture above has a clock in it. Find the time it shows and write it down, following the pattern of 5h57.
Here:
7h53
